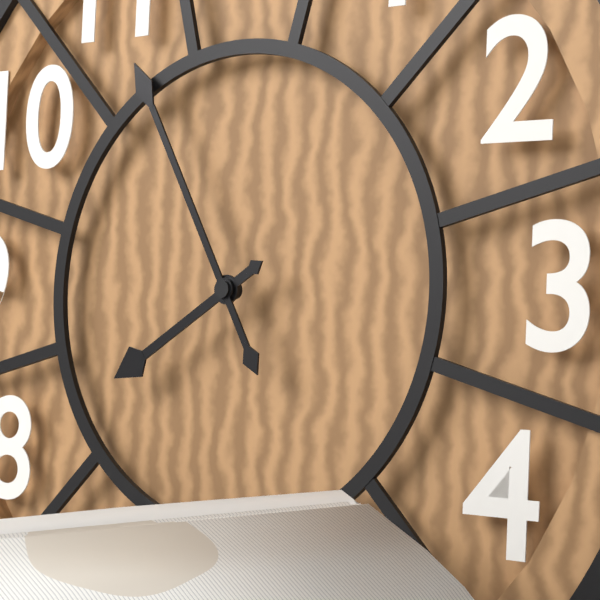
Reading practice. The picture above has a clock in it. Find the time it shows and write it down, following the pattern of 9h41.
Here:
7h55
